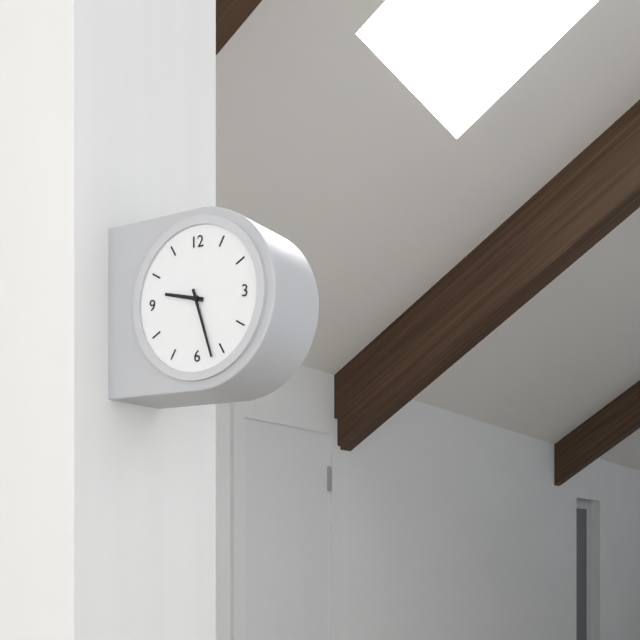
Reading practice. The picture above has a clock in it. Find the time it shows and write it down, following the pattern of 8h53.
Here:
9h27
